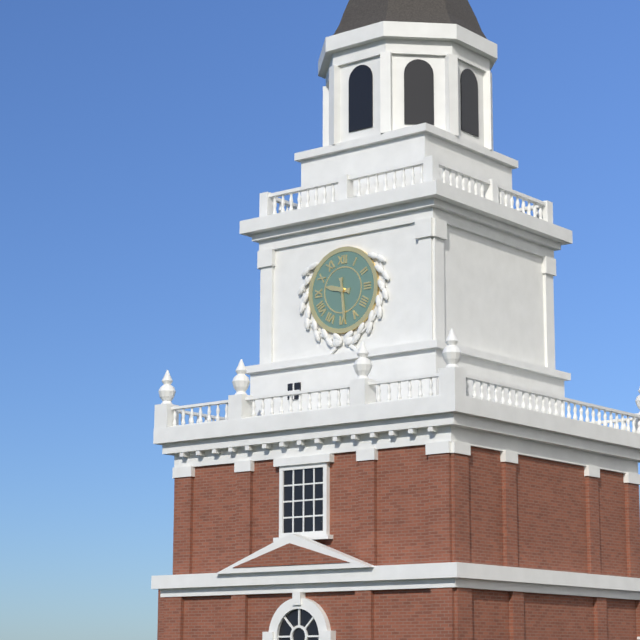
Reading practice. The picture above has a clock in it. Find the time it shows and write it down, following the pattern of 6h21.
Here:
9h29
